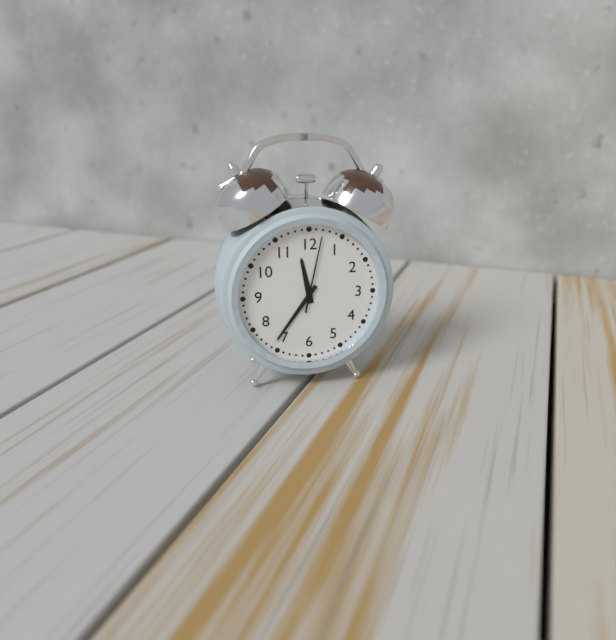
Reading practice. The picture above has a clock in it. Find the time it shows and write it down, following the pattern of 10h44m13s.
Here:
11h36m02s
